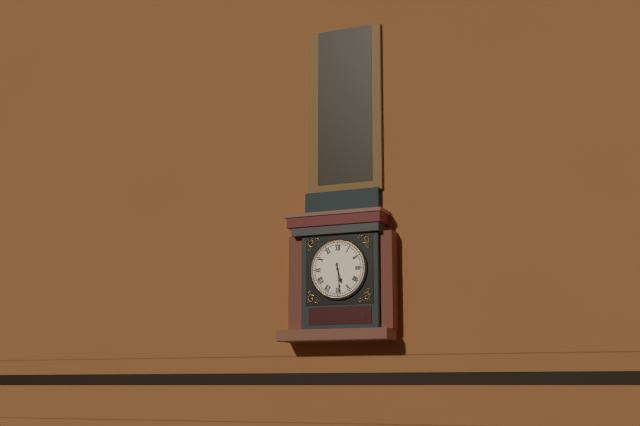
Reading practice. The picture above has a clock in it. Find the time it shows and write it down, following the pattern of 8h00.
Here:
5h29
